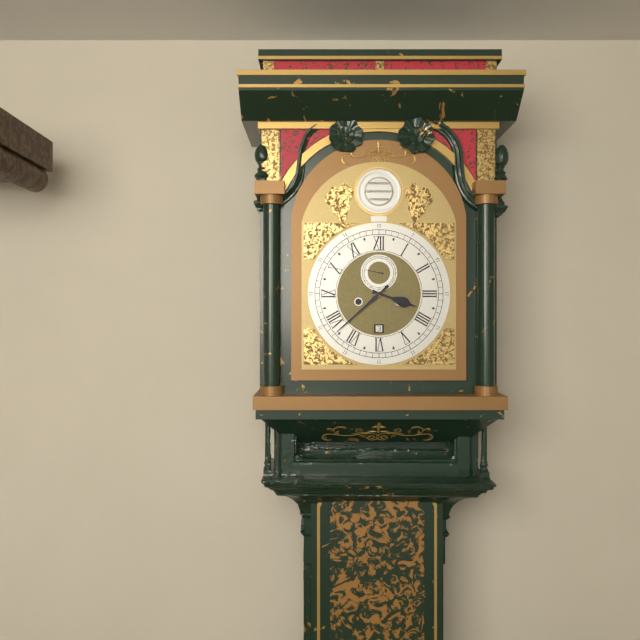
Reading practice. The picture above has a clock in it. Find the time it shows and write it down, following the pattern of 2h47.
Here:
3h38
